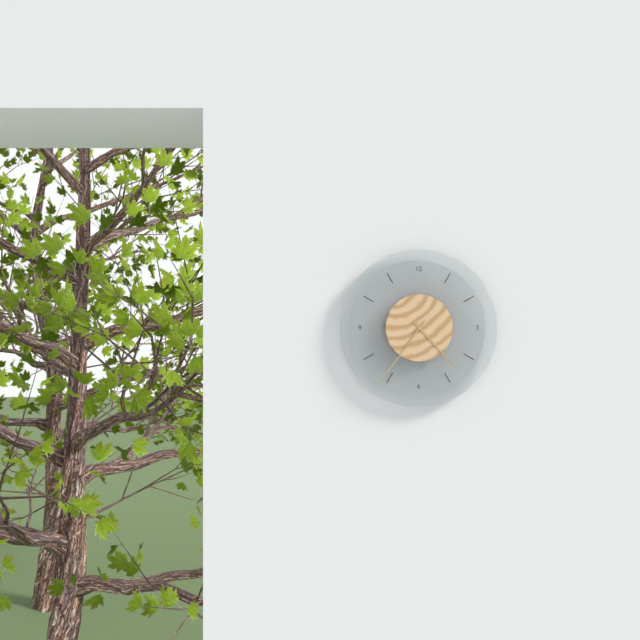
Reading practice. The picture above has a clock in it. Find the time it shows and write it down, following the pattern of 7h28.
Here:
4h36
